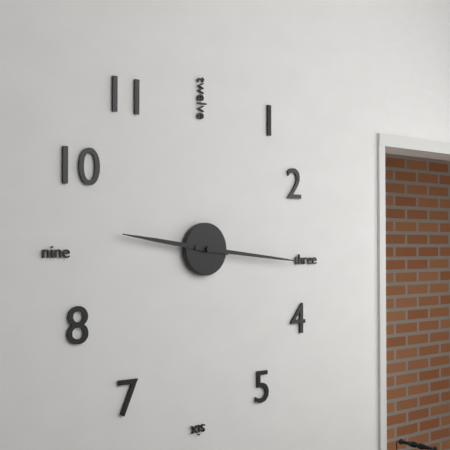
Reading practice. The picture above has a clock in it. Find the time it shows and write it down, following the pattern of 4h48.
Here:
9h16
